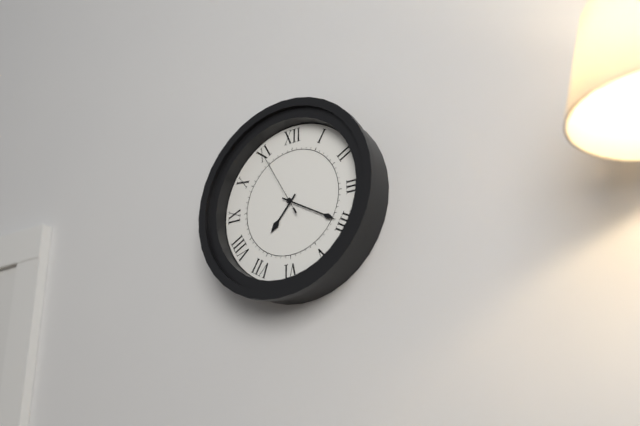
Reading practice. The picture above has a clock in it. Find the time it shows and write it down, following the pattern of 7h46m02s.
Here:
7h20m55s
